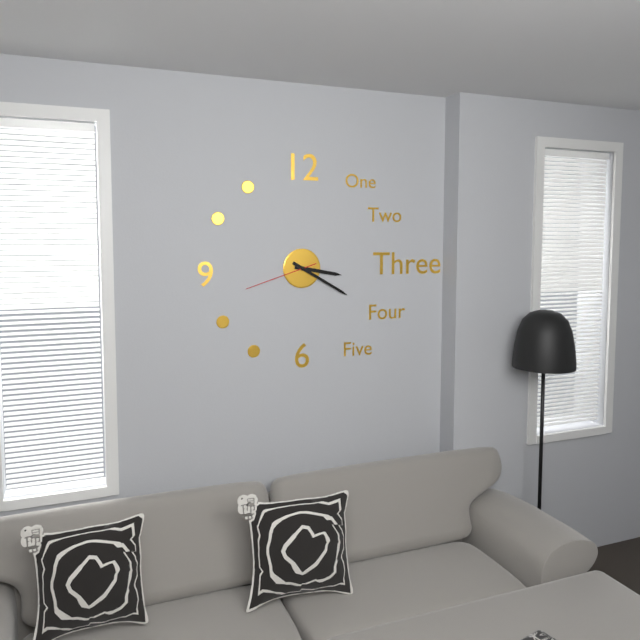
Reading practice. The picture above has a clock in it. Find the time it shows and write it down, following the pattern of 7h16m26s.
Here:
3h20m42s
